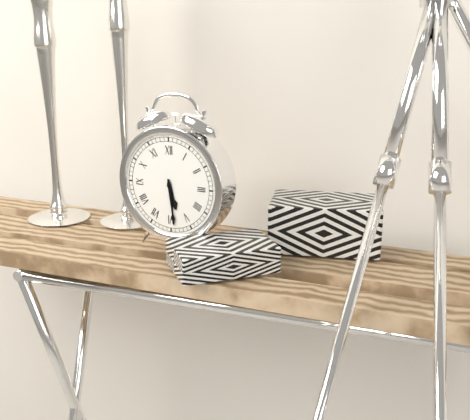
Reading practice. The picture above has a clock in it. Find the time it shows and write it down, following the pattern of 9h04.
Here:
5h29
